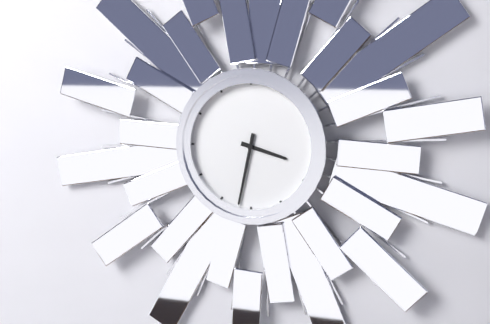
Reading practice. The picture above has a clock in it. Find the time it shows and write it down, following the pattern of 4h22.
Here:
3h32
